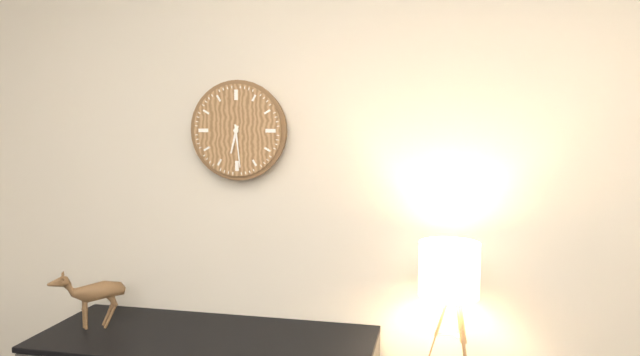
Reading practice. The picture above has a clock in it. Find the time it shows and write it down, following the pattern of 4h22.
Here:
6h29
